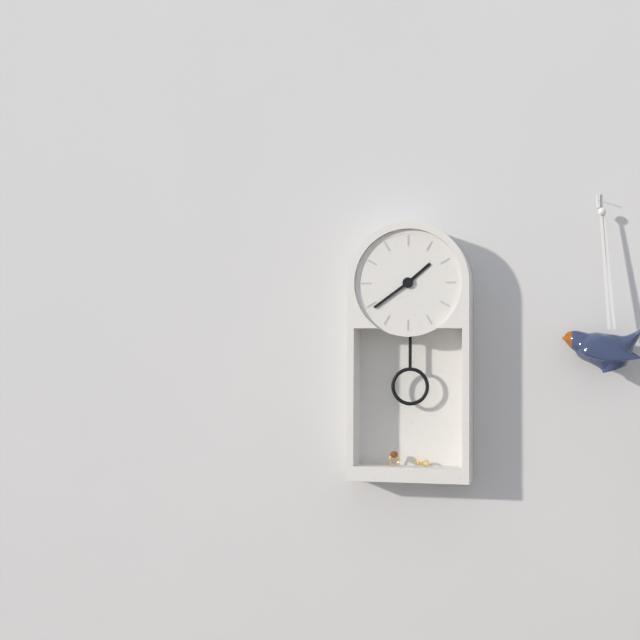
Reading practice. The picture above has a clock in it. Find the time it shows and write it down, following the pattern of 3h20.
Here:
1h39
